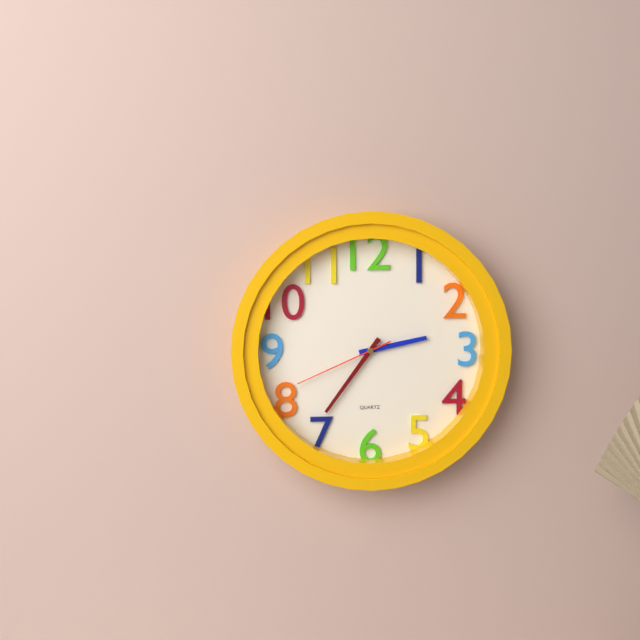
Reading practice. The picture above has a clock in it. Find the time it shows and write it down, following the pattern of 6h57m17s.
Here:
2h36m41s
